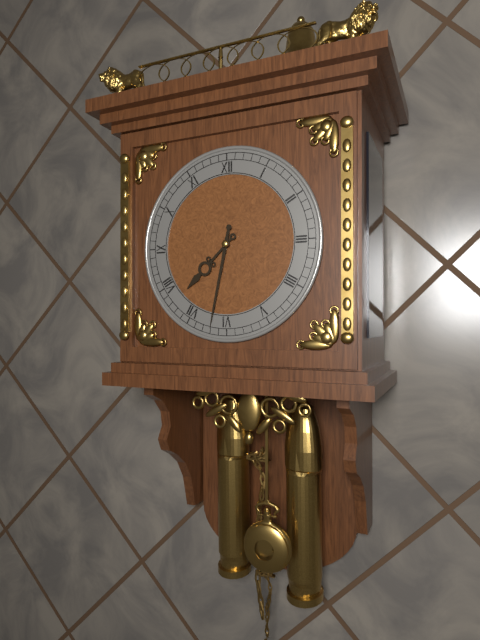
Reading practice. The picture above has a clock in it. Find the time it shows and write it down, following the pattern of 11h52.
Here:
7h32
